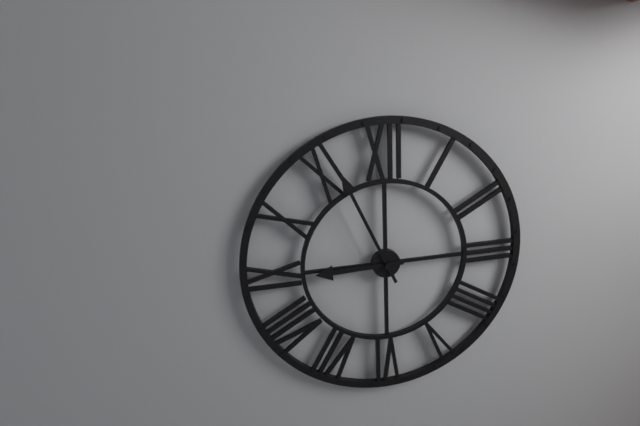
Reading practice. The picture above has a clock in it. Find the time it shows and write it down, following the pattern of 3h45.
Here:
8h56
